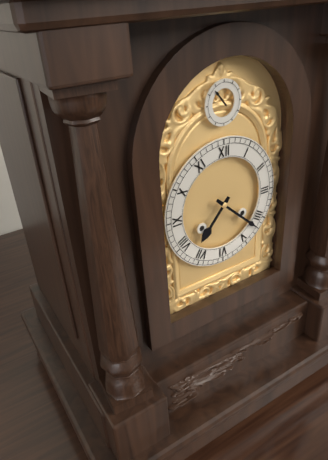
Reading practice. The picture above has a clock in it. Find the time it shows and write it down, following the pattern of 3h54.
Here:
7h22
